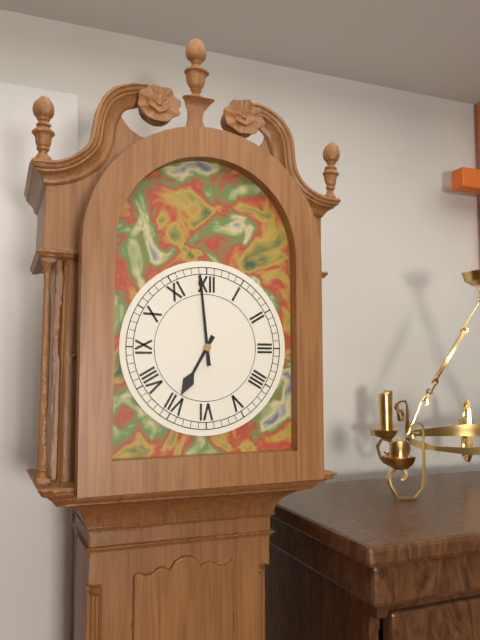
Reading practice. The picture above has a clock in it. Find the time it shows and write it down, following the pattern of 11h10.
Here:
6h59
